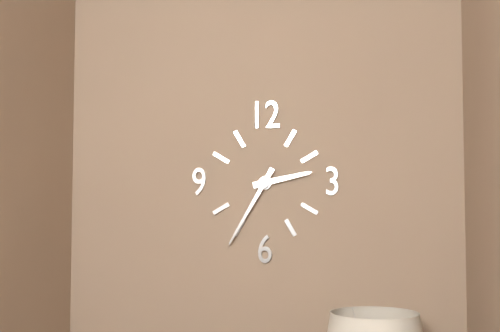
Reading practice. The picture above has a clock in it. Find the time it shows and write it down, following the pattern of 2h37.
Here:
2h35
